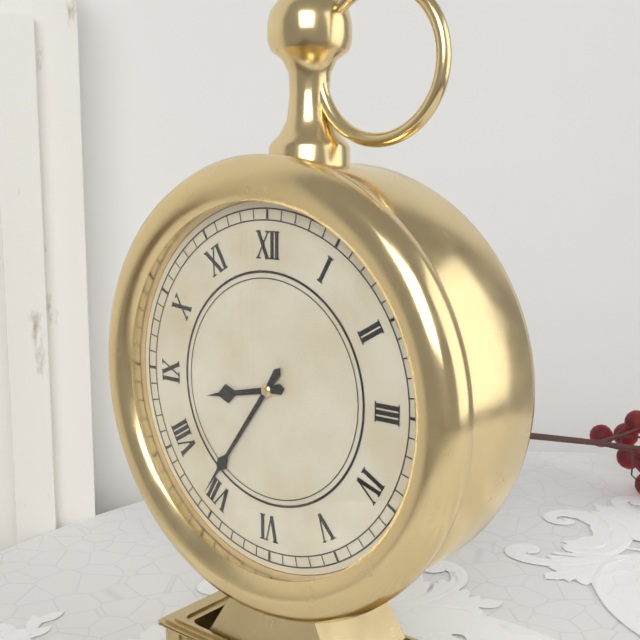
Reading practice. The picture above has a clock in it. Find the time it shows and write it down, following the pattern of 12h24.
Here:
8h36
